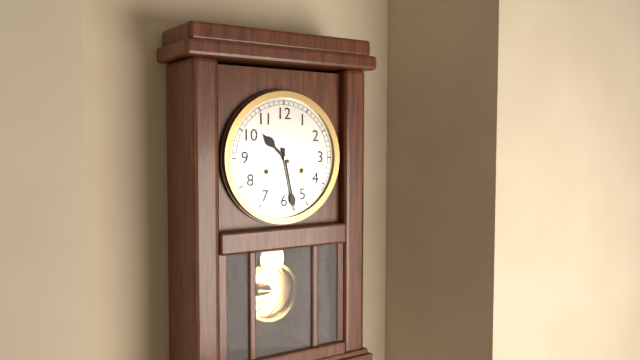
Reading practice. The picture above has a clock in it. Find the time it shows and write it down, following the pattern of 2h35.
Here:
10h28
